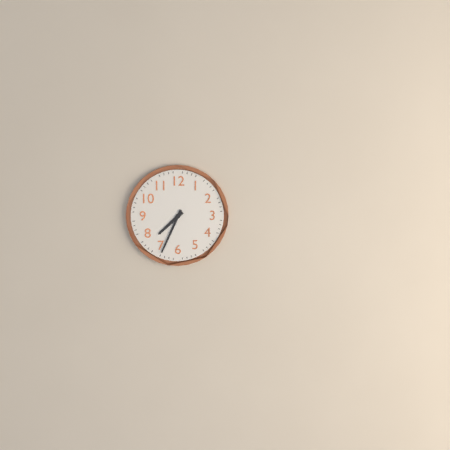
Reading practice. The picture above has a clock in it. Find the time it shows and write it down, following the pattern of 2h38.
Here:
7h34
